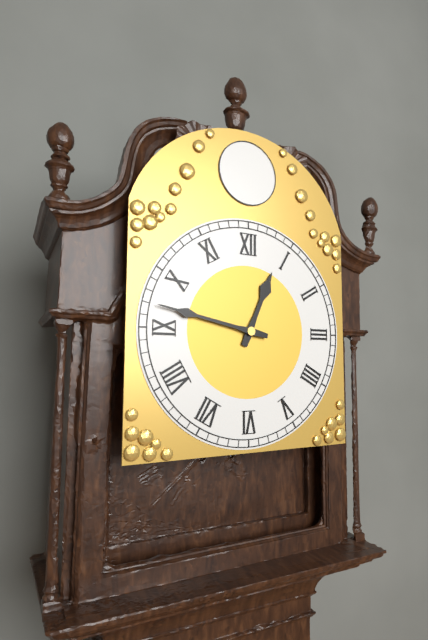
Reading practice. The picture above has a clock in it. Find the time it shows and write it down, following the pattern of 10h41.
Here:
12h47
